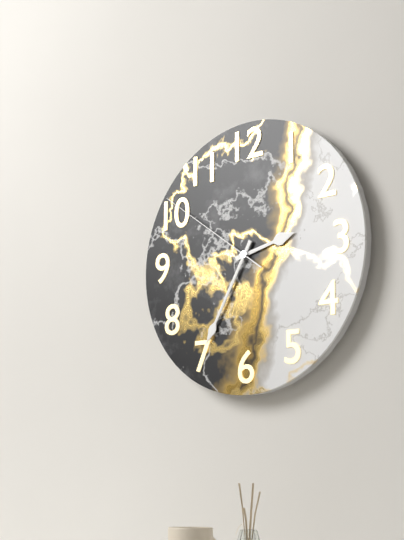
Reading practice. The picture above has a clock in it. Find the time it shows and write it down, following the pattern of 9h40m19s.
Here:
2h35m51s
